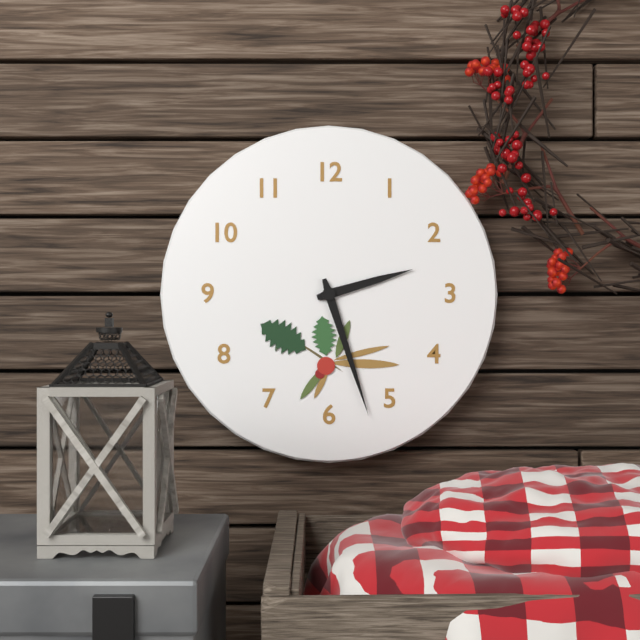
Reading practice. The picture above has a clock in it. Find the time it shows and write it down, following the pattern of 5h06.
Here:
2h27
